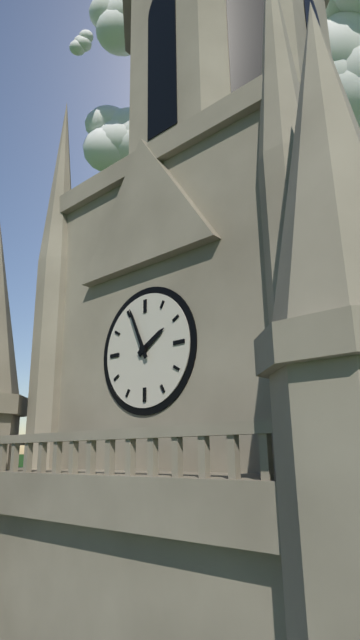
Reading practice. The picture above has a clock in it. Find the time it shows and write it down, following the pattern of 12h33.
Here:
1h56
